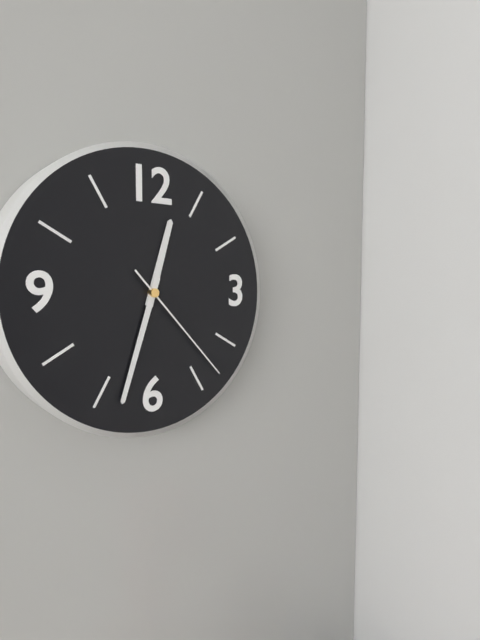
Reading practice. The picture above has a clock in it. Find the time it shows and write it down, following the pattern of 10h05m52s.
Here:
12h33m23s
